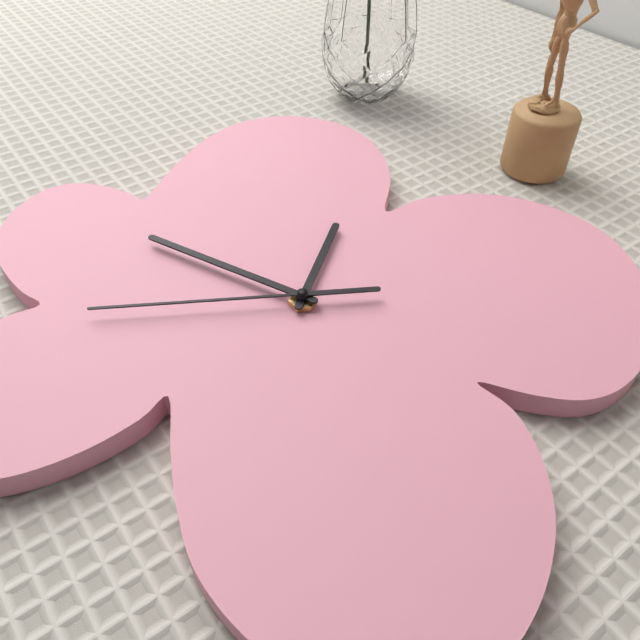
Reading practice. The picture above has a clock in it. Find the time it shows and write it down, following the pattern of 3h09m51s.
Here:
11h46m40s
